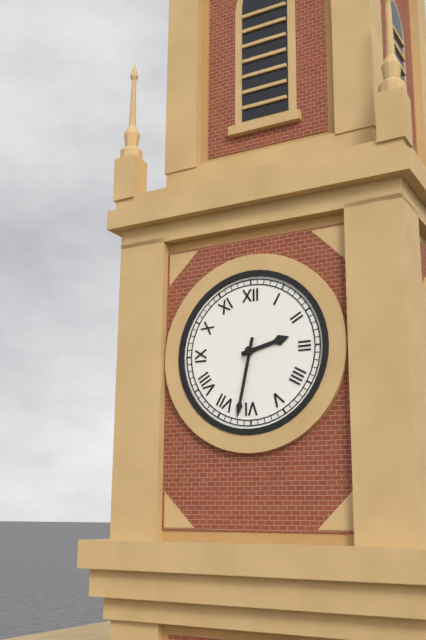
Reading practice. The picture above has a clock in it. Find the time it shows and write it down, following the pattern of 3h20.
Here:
2h32
